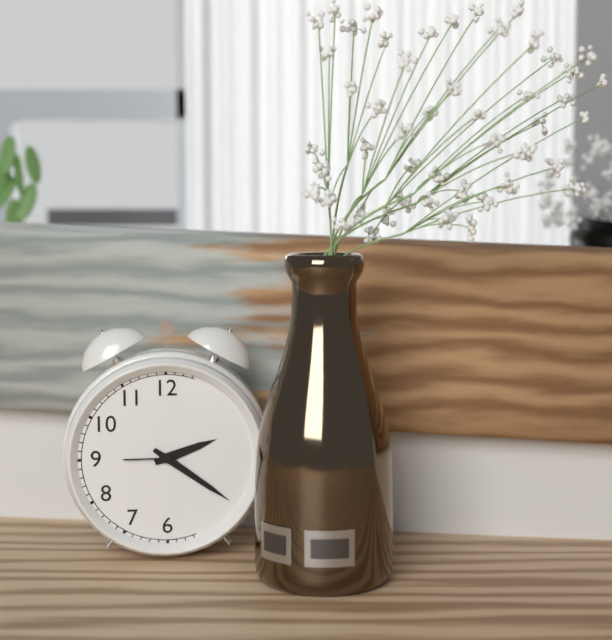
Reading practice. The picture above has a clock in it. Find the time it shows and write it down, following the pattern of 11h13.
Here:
2h21
